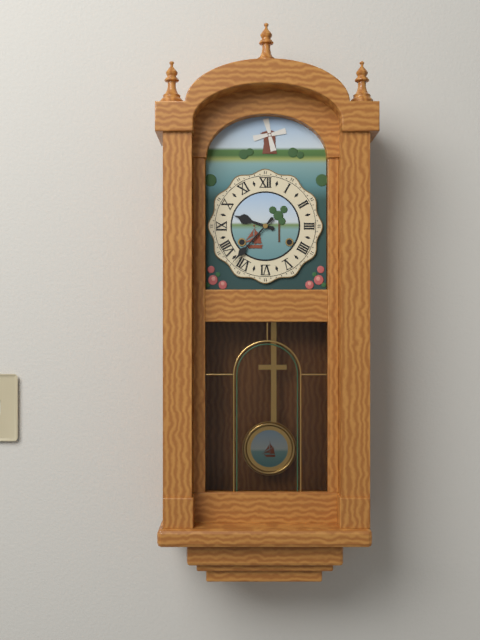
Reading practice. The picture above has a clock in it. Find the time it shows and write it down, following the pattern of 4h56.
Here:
9h37
